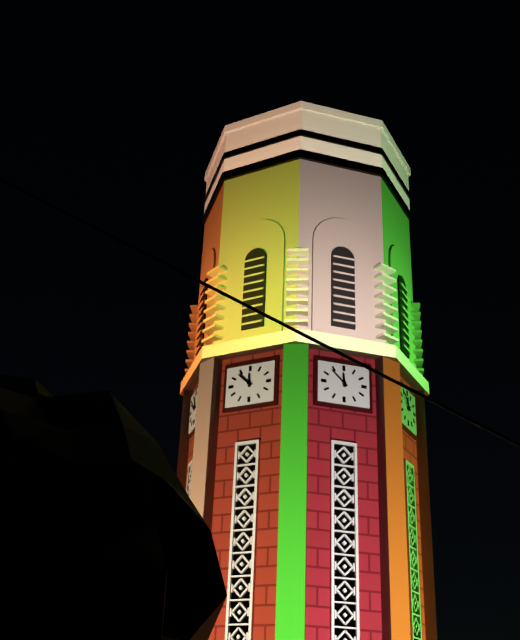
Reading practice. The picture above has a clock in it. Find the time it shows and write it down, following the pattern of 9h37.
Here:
11h52
